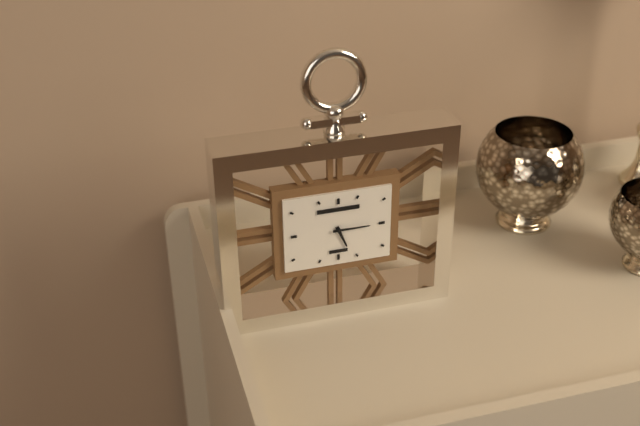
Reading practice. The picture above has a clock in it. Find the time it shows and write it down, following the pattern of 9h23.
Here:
5h15
